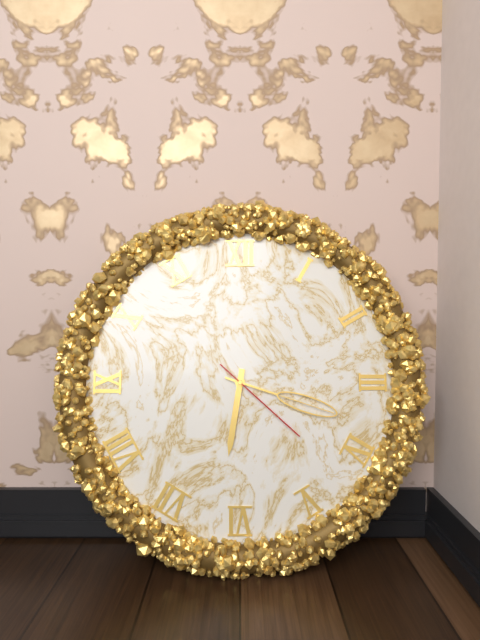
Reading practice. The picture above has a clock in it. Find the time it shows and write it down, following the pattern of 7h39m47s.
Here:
6h18m22s
